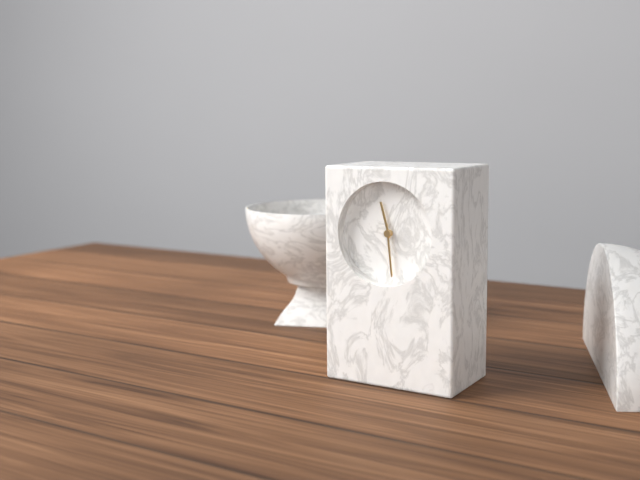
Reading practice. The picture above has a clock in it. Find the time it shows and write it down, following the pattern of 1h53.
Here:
11h29
